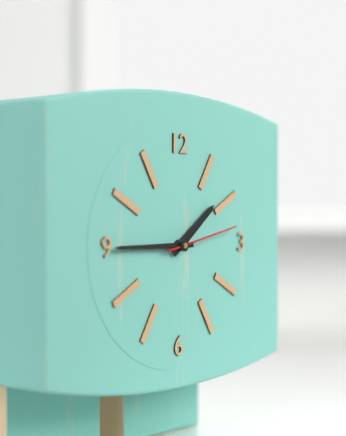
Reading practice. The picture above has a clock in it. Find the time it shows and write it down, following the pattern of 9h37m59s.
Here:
1h45m13s
